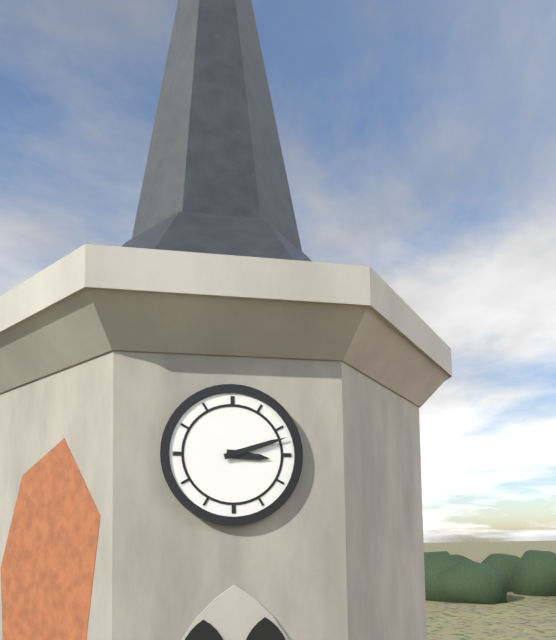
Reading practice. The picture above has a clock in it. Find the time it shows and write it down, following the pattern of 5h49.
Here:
3h12
